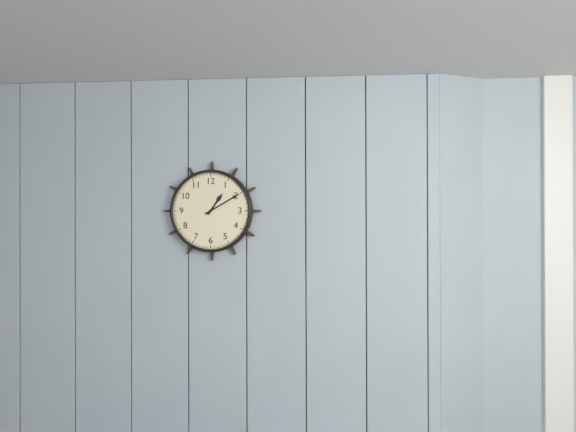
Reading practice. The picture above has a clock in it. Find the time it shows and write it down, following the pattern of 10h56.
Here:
1h10
